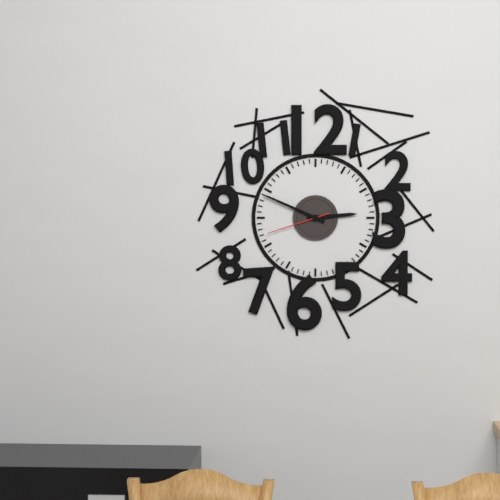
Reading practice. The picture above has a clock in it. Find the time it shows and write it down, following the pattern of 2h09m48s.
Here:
2h49m42s
